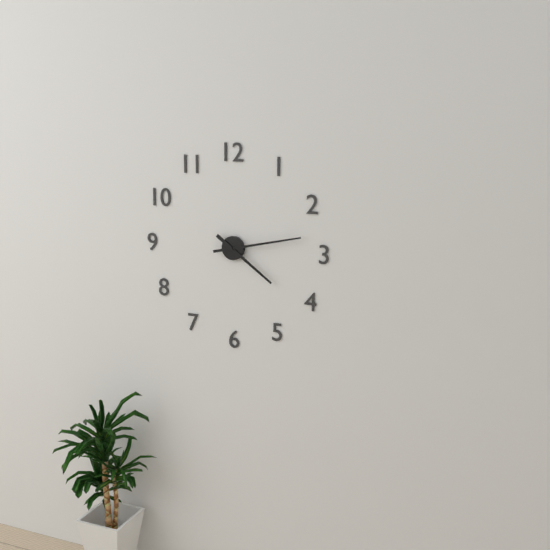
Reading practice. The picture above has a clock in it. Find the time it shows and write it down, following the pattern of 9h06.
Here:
4h13
